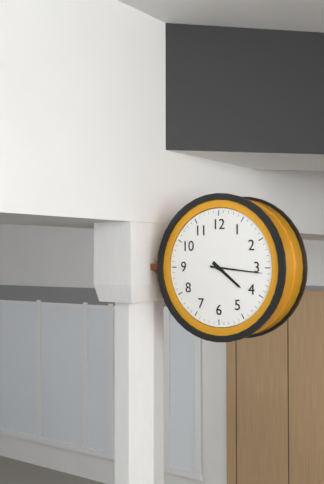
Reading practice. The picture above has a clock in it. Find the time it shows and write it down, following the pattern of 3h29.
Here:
4h16
